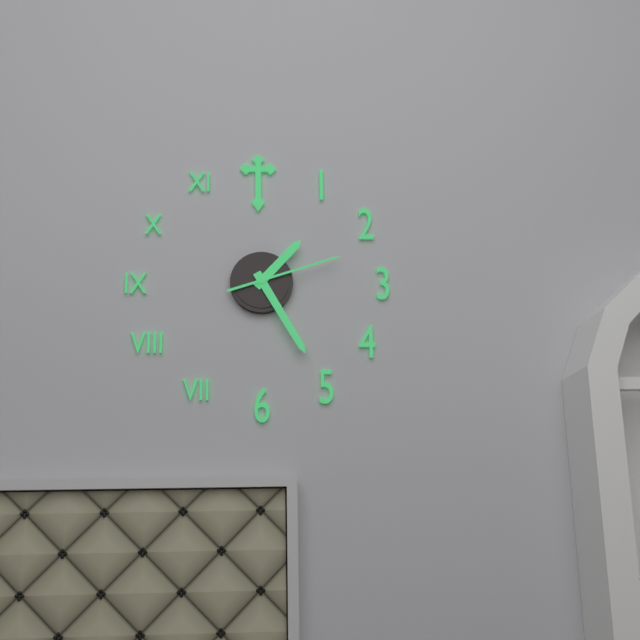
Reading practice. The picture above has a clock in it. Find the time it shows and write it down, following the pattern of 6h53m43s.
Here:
1h25m12s
